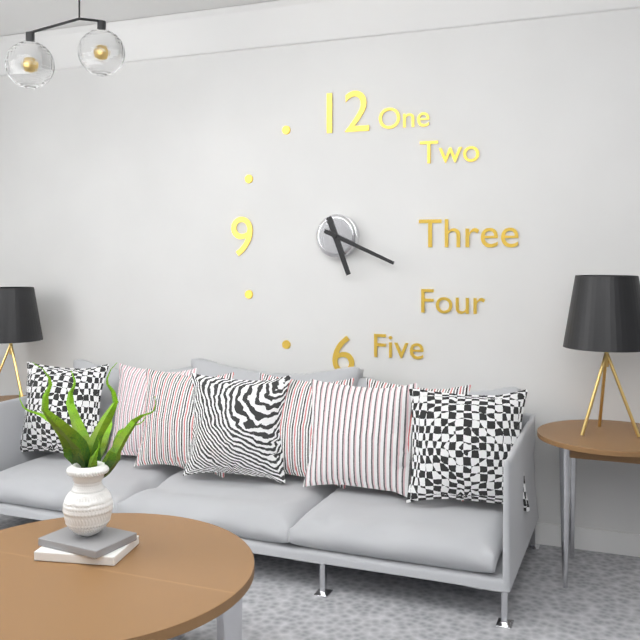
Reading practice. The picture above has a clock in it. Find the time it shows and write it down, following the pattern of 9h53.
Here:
5h19
